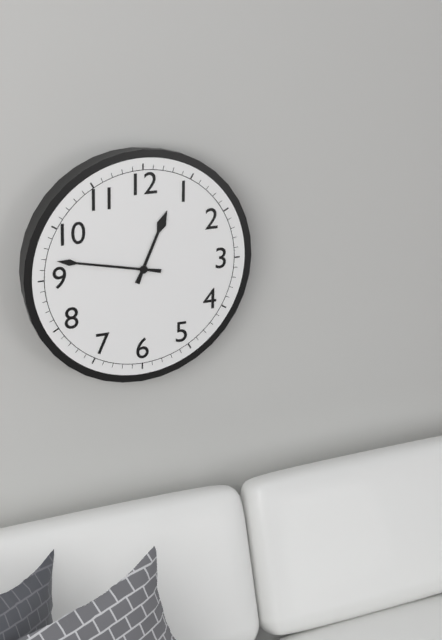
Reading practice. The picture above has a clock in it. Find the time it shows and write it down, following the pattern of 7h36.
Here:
12h47
